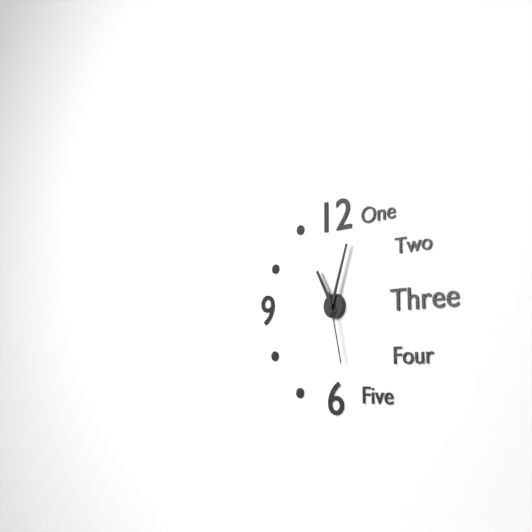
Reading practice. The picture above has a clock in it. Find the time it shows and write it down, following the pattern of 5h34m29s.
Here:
11h03m28s
